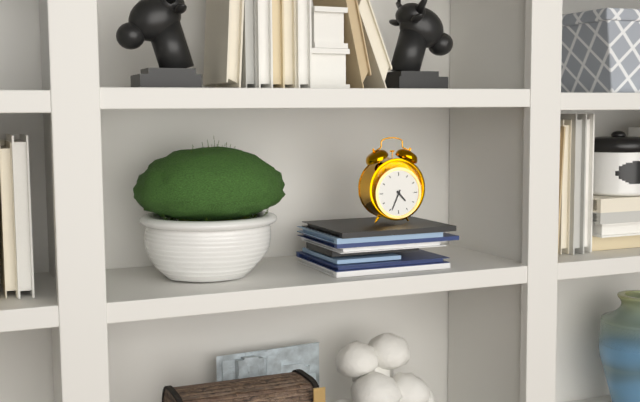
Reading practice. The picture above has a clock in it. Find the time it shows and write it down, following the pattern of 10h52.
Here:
4h34
